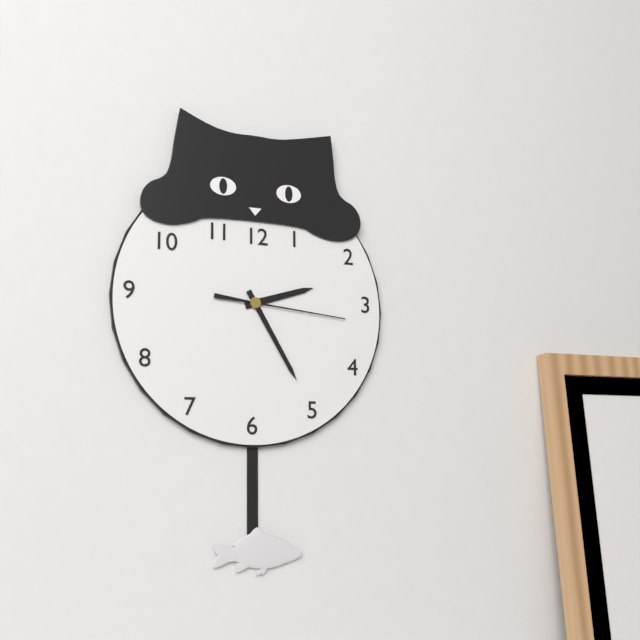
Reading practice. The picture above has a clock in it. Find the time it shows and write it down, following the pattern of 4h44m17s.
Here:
2h25m16s
